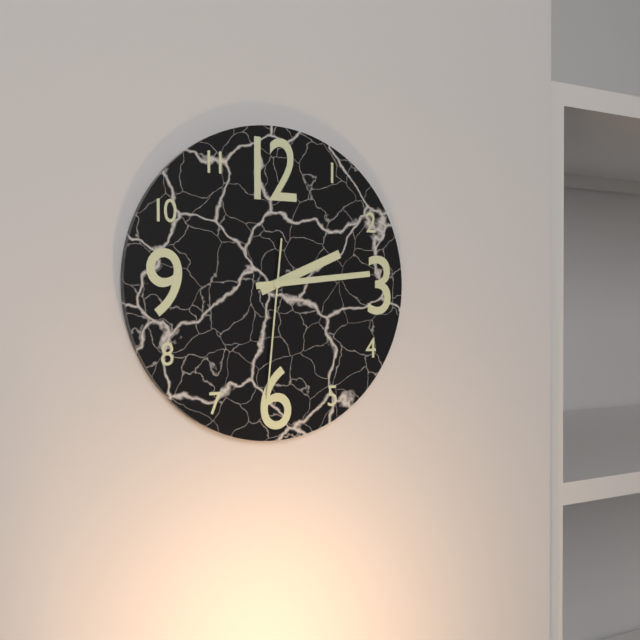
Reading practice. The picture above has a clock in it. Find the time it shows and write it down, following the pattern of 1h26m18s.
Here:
2h14m31s
